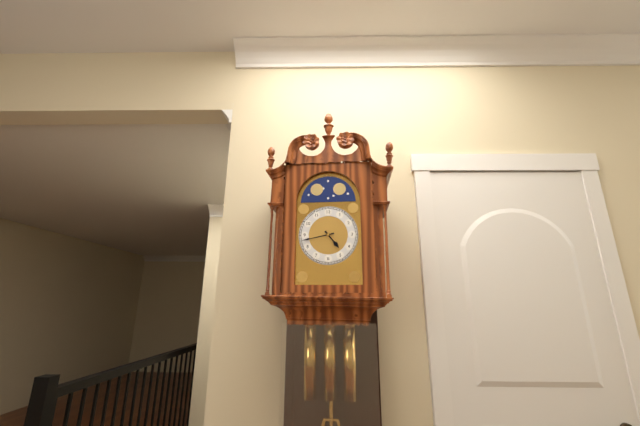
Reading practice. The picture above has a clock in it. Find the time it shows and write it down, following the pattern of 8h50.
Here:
4h43
